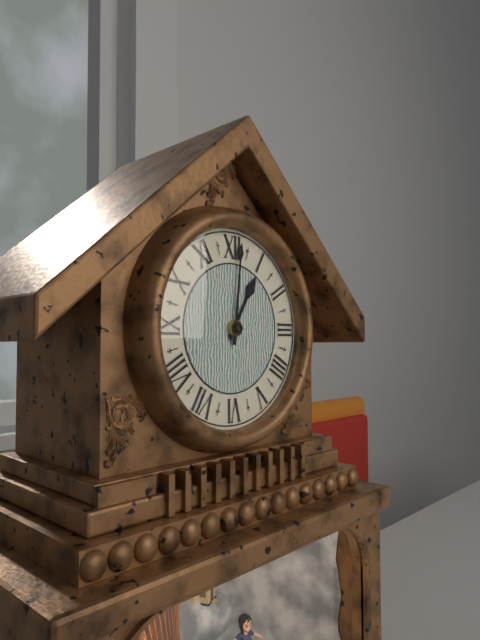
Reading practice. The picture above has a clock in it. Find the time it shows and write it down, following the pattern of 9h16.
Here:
1h01
